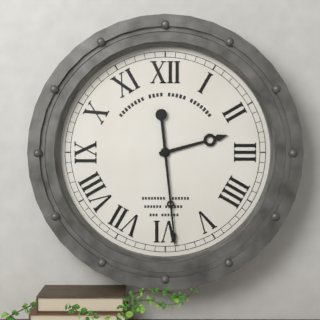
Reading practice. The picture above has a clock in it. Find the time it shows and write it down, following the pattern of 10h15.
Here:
2h29
